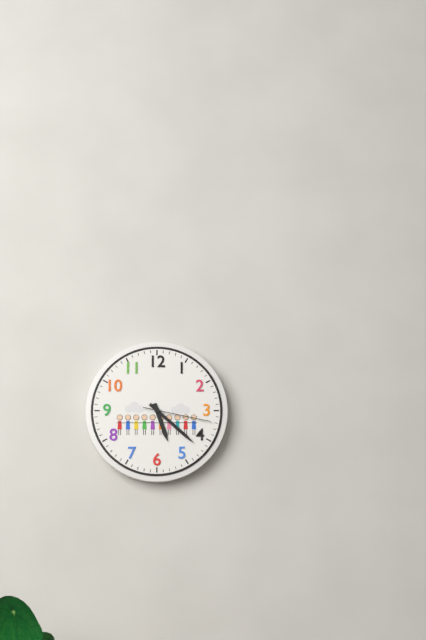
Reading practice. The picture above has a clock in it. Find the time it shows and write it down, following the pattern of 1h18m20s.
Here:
5h22m17s
